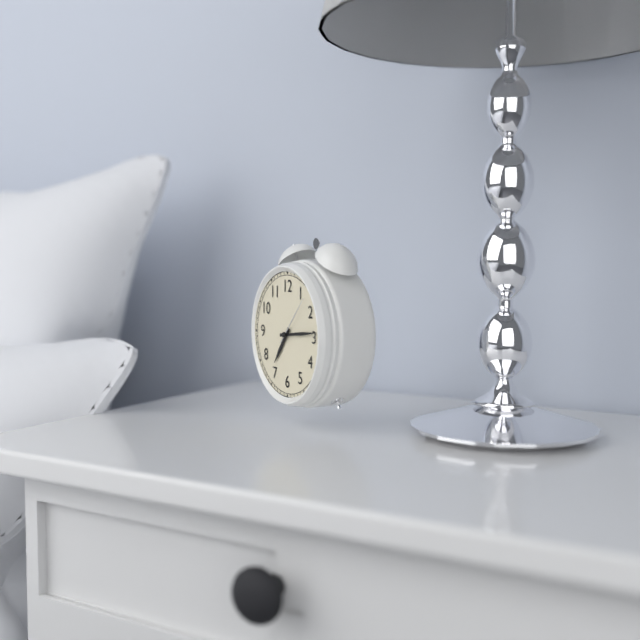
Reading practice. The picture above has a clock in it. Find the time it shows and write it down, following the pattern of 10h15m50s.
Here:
7h14m07s
